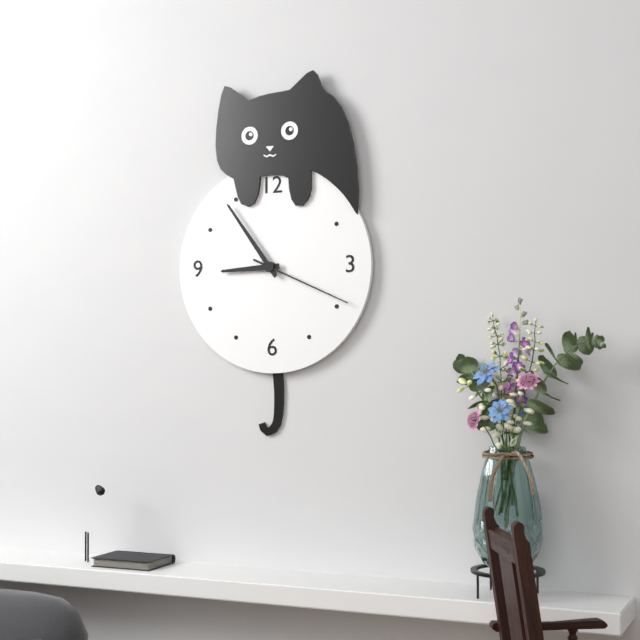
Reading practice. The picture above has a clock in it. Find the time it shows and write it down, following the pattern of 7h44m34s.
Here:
8h54m19s
